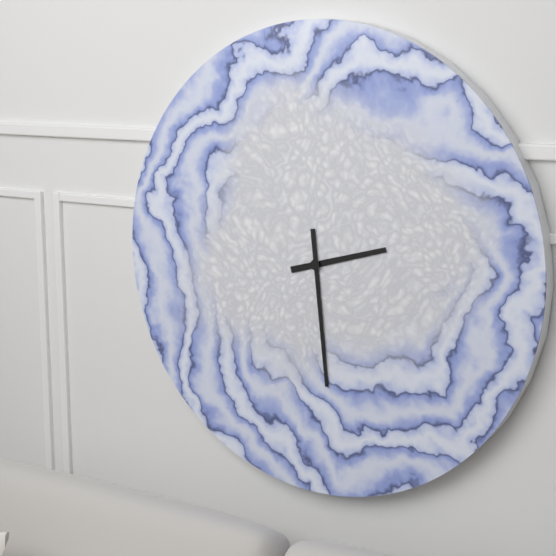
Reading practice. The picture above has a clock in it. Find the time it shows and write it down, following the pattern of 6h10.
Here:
2h29
